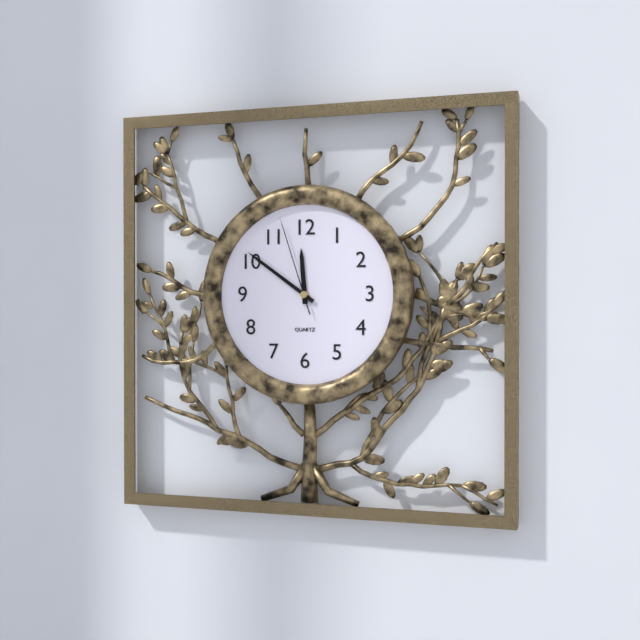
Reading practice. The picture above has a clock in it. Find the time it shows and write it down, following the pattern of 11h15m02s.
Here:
11h51m57s
